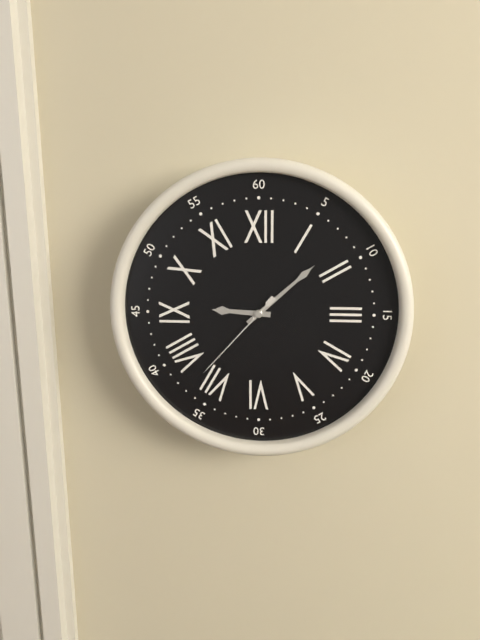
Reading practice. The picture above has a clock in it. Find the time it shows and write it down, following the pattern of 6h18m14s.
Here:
9h08m37s
